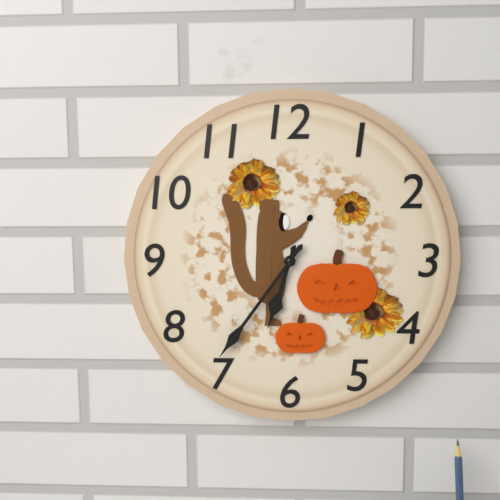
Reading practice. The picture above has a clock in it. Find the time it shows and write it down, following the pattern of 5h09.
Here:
6h36
